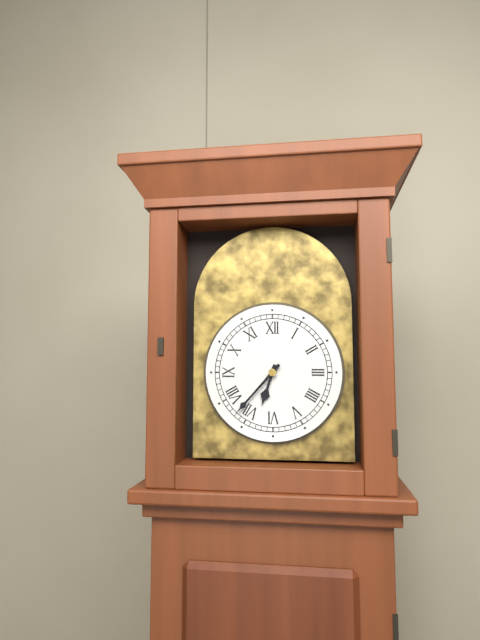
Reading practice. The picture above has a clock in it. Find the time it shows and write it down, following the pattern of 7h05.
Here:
6h37
